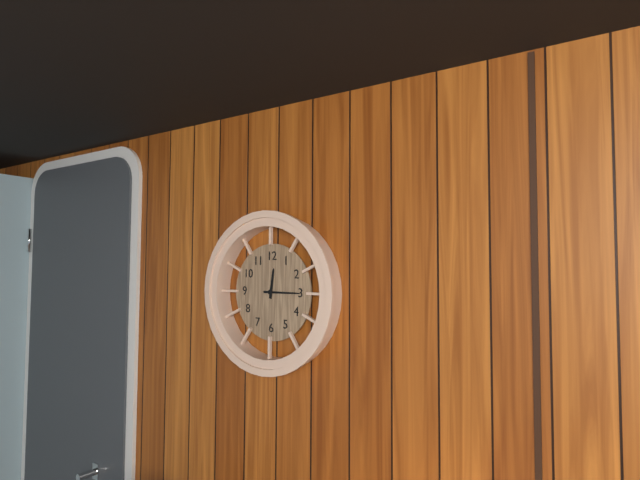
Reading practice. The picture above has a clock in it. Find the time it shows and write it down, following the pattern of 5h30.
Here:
12h15
